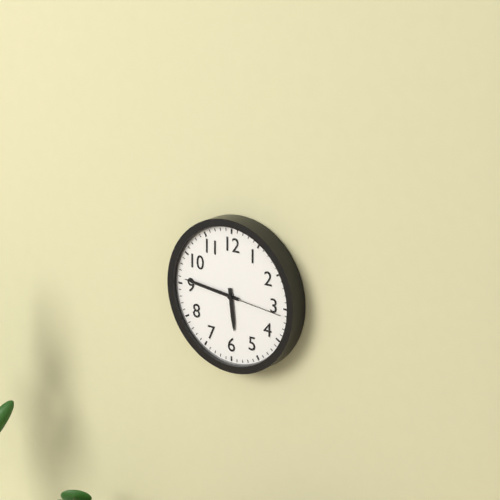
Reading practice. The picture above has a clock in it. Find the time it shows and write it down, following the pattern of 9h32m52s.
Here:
5h46m16s
